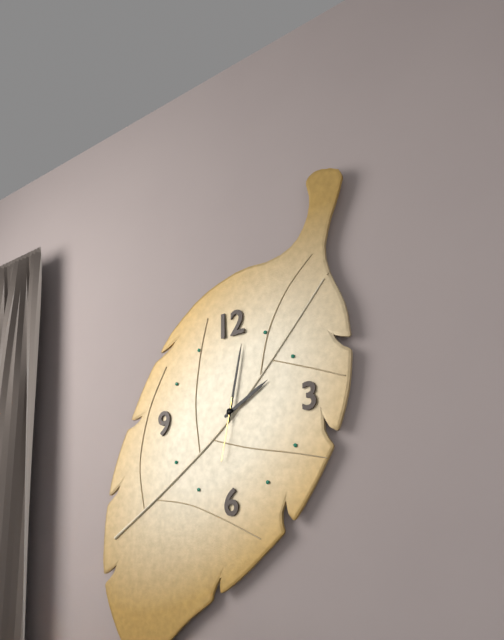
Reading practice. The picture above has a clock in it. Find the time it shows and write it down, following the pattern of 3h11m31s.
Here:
2h02m32s
